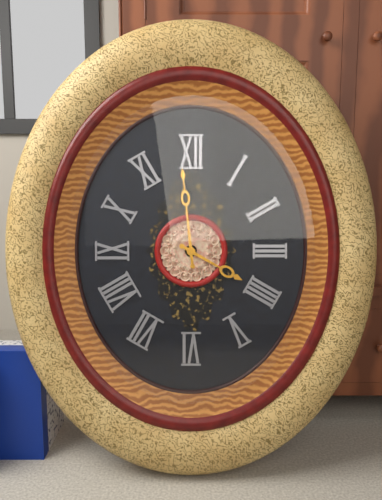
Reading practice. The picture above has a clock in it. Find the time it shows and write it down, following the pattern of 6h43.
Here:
3h59
